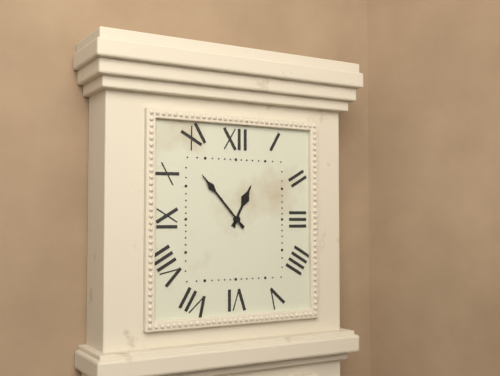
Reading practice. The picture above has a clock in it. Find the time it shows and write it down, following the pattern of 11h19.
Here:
12h53
